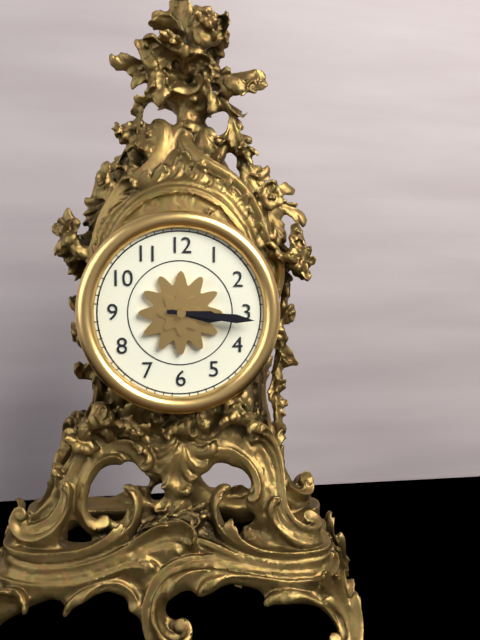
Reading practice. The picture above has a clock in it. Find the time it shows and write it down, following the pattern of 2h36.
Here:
3h16
